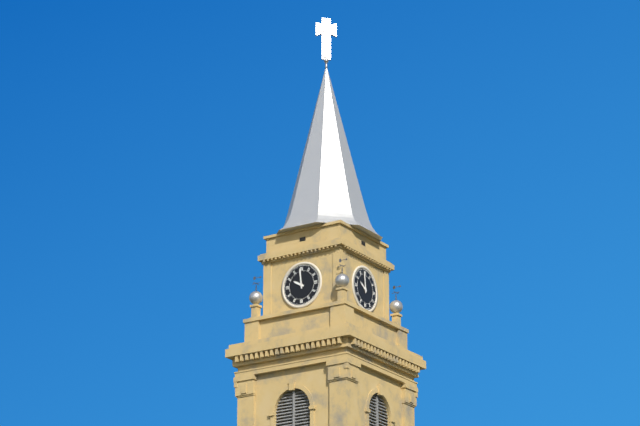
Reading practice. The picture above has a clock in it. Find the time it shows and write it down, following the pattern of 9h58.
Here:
9h59
